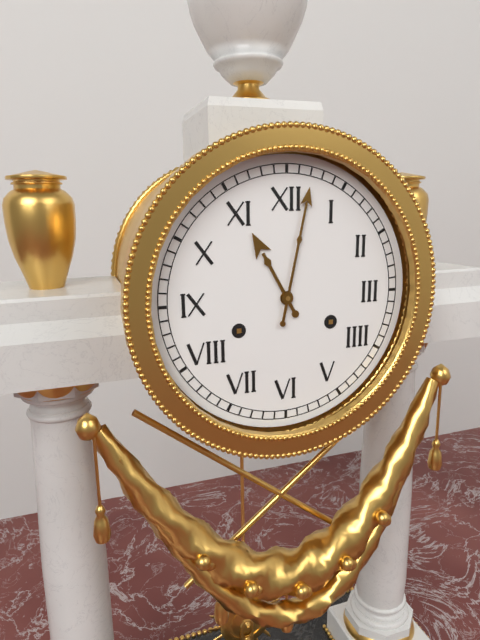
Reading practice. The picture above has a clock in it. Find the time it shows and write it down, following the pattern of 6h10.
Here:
11h02
